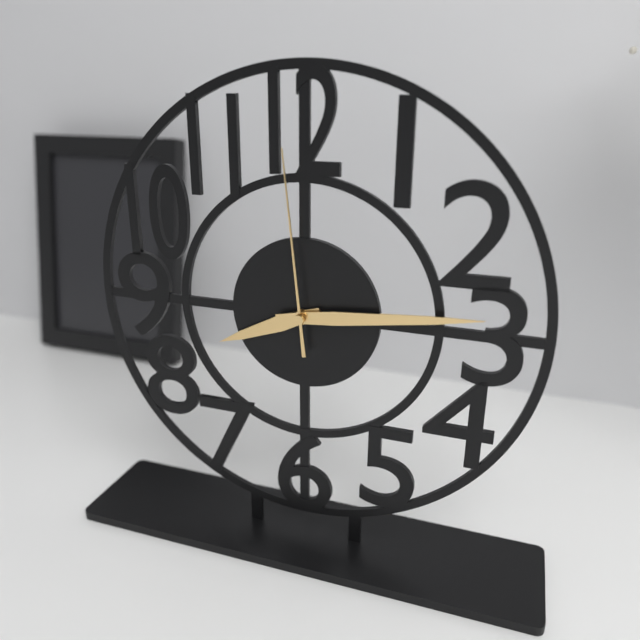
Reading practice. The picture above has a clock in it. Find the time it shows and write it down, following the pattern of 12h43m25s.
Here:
8h14m59s
